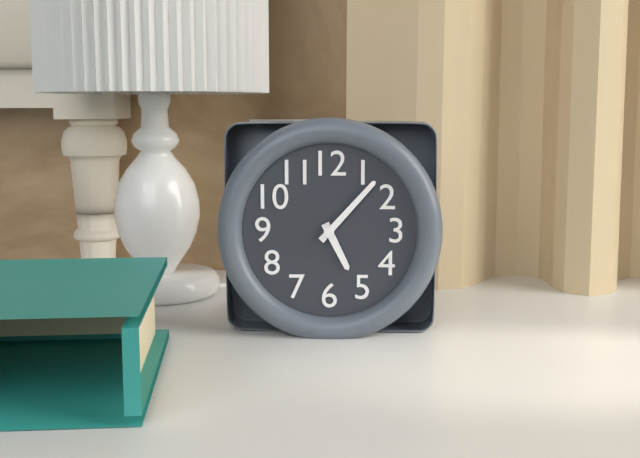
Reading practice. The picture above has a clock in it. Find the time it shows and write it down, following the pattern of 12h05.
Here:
5h07
